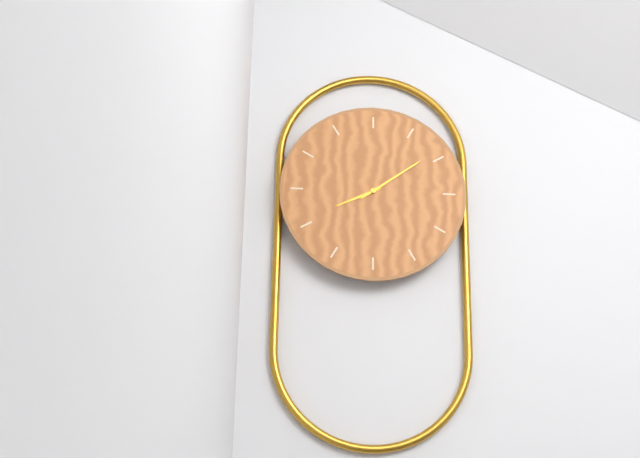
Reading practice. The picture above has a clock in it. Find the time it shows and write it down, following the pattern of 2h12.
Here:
8h09
